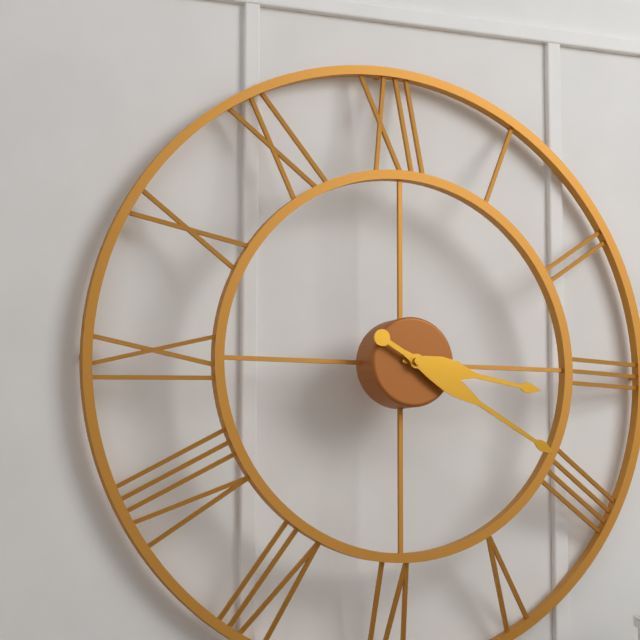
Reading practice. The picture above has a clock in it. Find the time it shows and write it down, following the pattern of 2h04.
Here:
3h20
